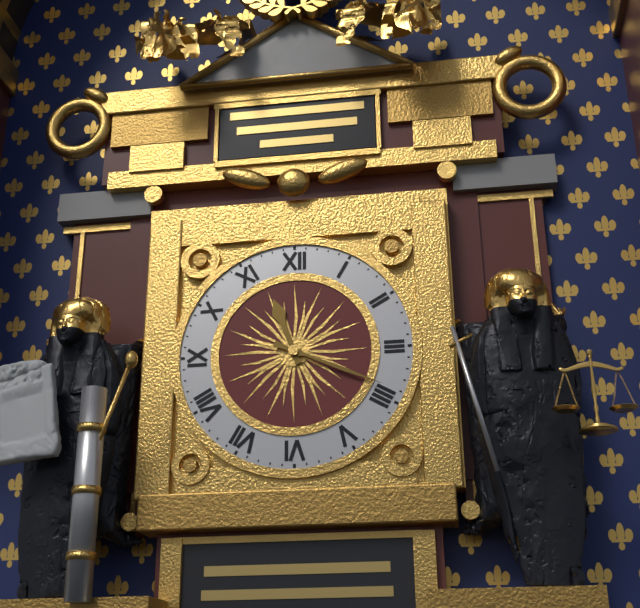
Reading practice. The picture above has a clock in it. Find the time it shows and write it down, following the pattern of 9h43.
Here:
11h19
